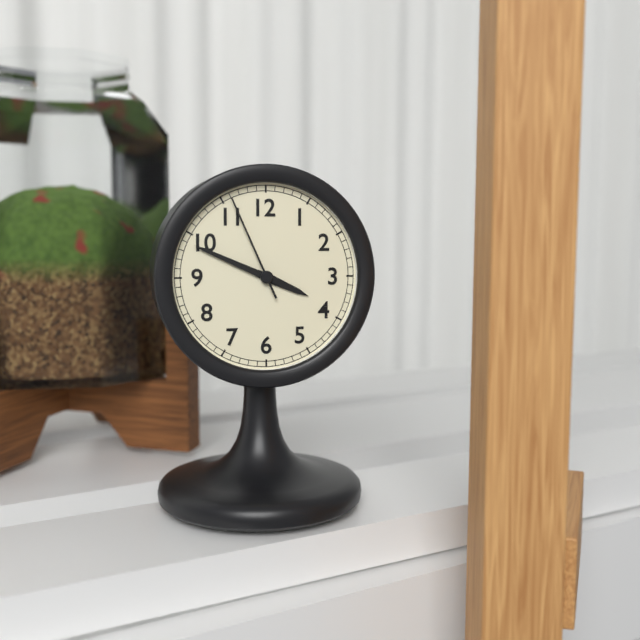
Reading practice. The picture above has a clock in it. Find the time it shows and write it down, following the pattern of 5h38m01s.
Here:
3h49m56s
